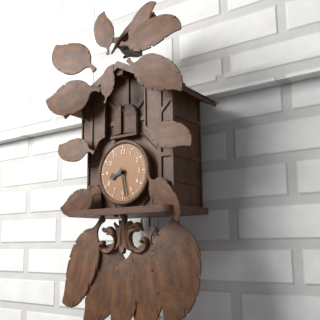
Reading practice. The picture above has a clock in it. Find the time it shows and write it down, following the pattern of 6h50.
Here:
8h28
